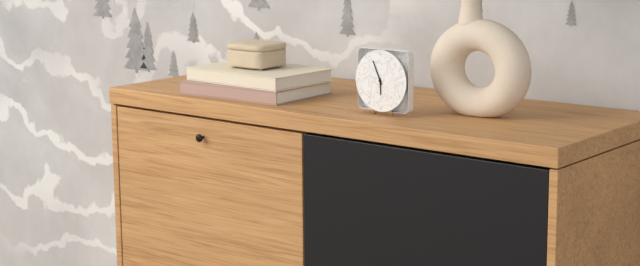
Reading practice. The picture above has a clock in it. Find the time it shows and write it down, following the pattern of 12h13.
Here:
5h56
